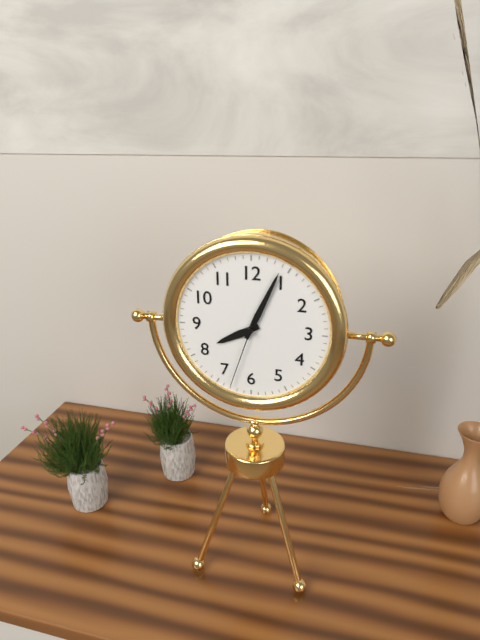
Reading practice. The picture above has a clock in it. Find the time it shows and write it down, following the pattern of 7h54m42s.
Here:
8h04m33s
